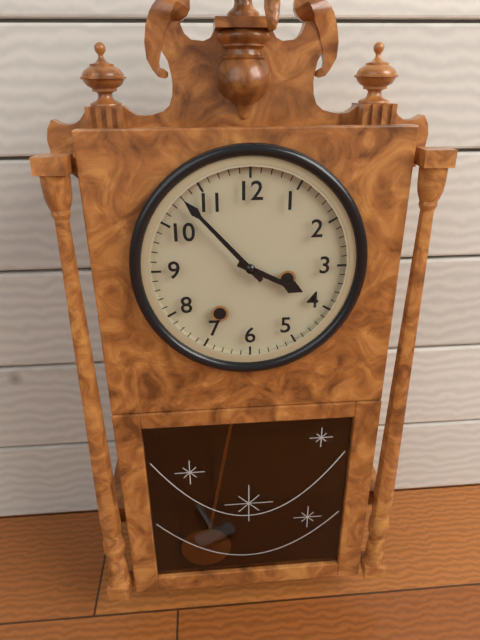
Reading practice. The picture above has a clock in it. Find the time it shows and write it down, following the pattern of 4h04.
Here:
3h53
